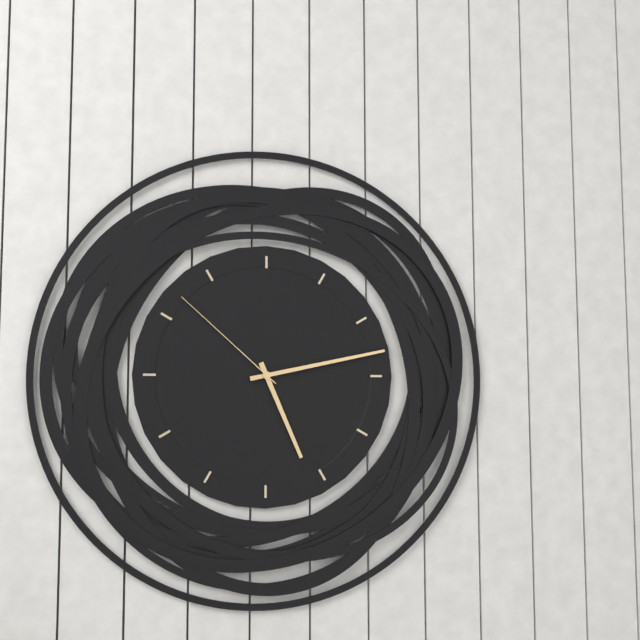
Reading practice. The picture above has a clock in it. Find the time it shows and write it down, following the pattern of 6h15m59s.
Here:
5h13m52s
